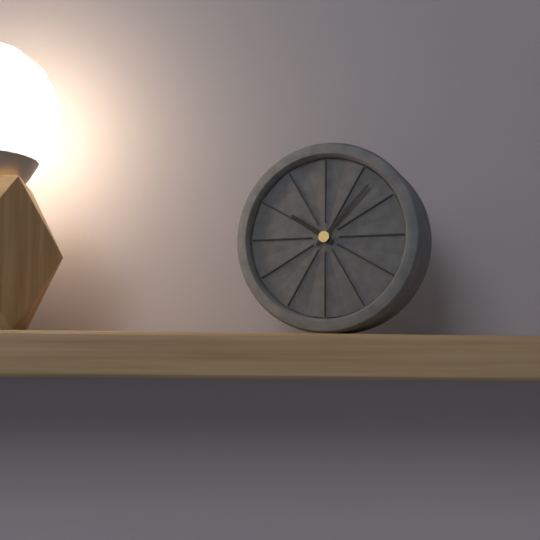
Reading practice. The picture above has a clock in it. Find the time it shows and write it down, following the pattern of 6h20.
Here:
10h07
